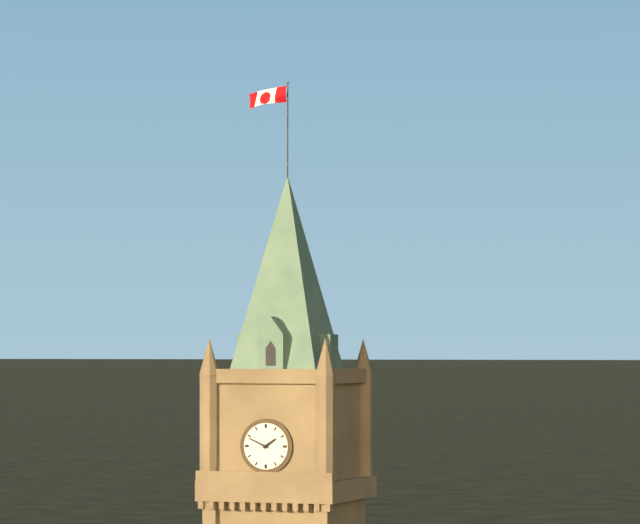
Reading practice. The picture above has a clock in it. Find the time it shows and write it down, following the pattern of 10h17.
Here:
1h49
